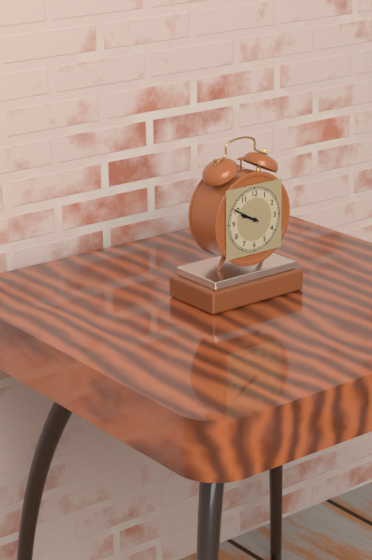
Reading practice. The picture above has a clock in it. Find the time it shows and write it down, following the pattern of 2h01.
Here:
9h50
